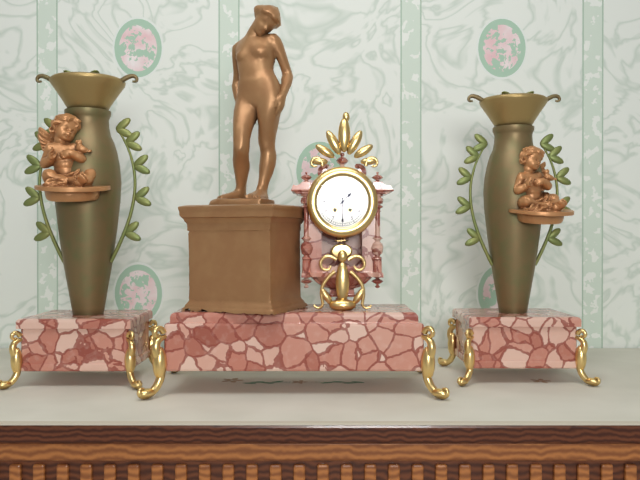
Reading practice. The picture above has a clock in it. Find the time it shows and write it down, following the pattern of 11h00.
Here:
1h30
